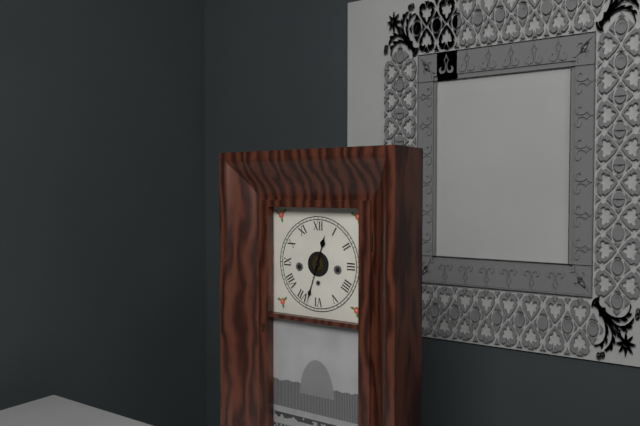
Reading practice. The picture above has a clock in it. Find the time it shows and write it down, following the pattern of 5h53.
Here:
12h33
